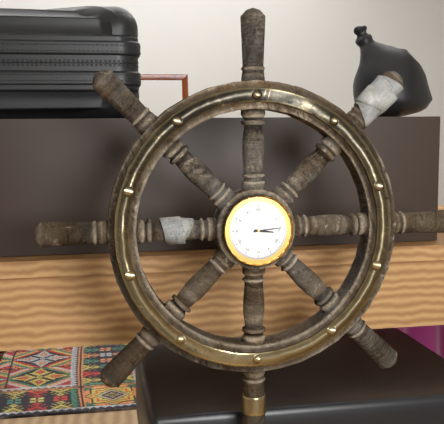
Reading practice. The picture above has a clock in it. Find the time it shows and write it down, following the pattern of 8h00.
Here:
3h14
